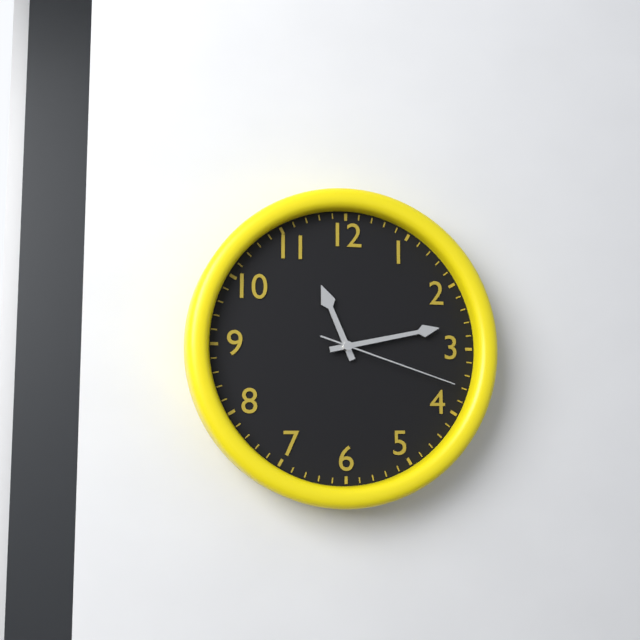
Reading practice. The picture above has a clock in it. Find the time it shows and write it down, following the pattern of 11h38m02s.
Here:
11h13m18s
